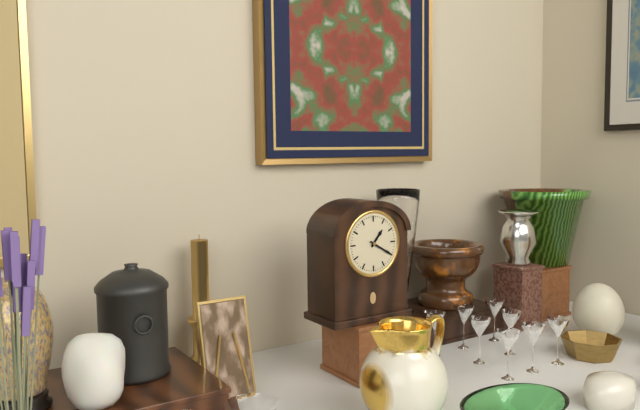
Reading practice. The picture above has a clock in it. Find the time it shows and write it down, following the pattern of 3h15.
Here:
1h20
